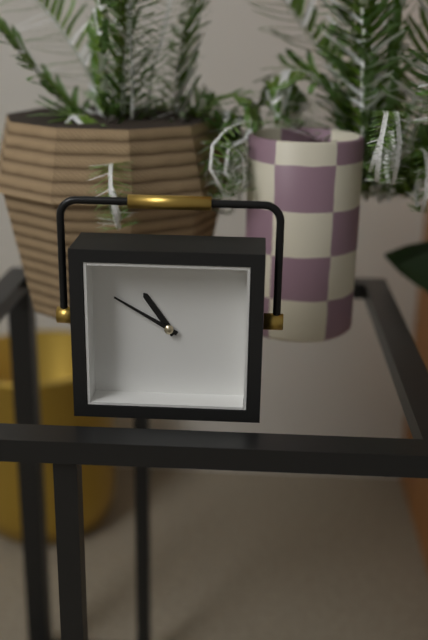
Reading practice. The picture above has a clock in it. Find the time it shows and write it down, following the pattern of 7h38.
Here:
10h50
